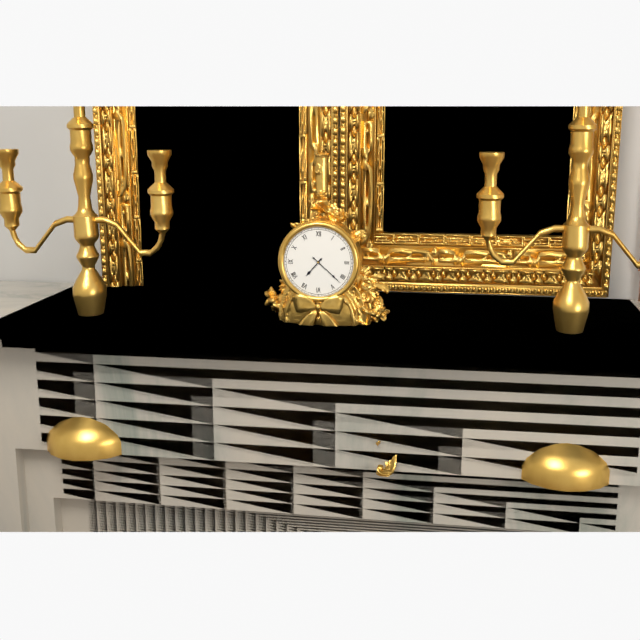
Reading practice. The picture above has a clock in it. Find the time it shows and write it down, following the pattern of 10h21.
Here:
7h22
